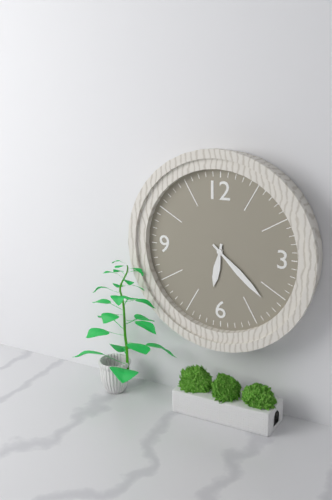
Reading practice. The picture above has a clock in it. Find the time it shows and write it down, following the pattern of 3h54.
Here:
6h22
